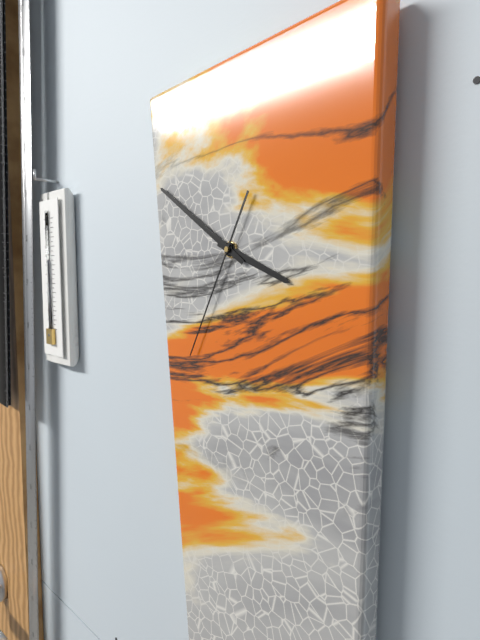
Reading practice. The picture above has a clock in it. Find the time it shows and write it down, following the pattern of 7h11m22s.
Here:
3h51m35s
